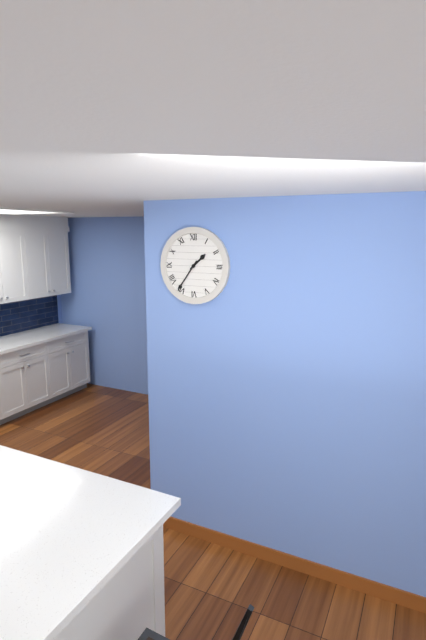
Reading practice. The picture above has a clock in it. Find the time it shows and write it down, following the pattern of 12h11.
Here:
1h36
